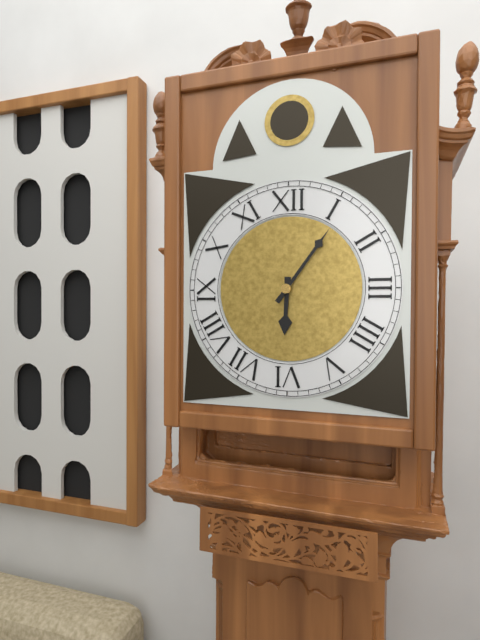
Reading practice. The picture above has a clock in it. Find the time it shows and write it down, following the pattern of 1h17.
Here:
6h06
